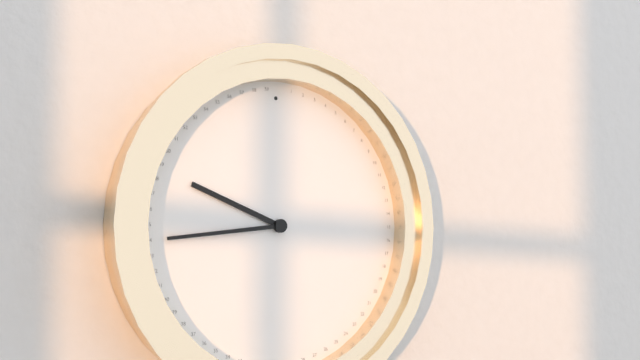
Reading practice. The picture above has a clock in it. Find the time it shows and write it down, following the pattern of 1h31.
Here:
9h44
